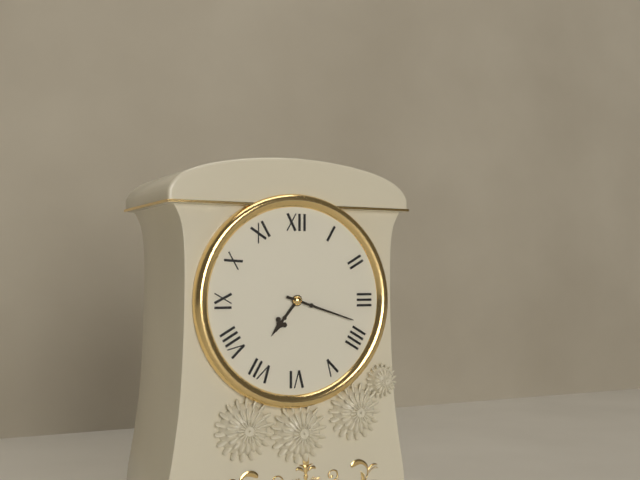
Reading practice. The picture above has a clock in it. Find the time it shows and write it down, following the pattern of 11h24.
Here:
7h18
